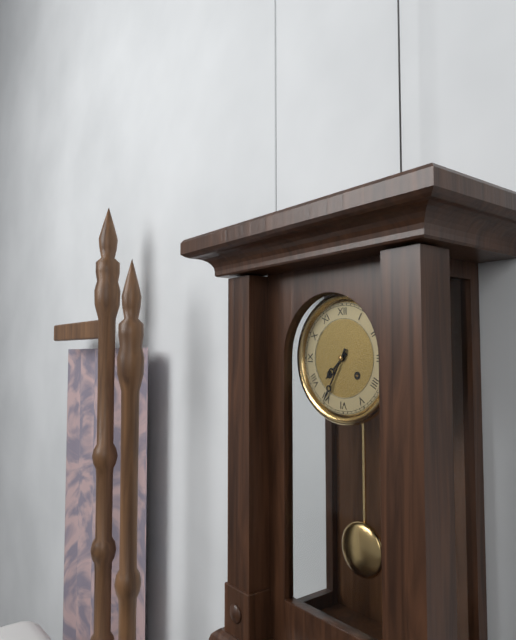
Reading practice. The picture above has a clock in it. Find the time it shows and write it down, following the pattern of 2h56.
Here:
7h35
